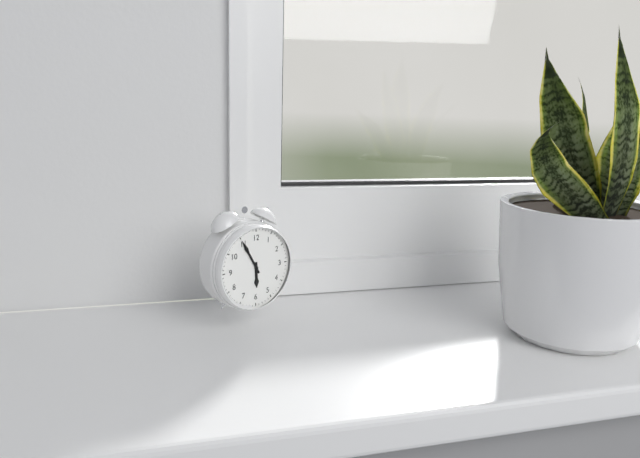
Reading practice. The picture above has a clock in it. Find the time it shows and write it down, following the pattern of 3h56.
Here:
5h55
